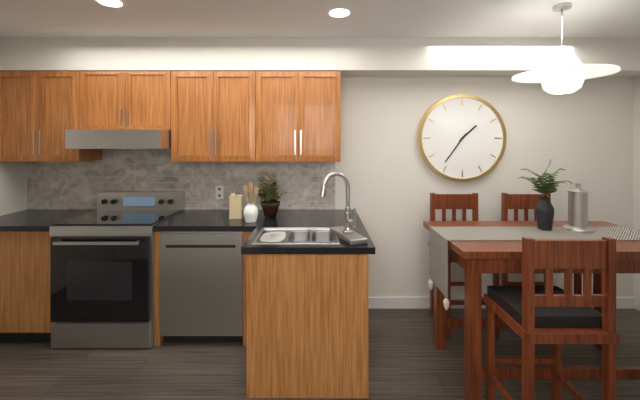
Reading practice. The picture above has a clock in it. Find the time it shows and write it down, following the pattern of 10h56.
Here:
1h36
